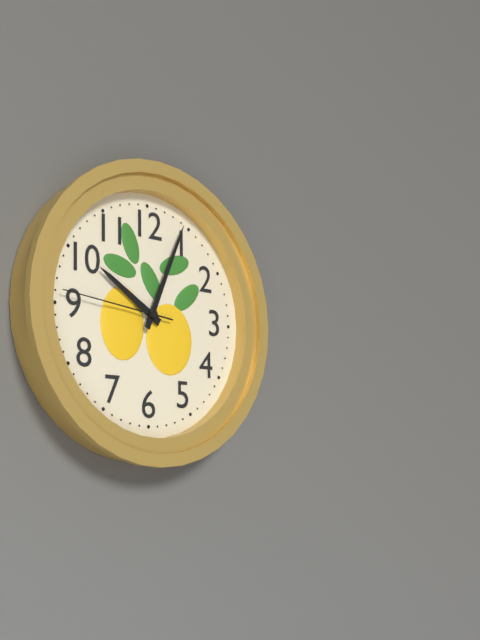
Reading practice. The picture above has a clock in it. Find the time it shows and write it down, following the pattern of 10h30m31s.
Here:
10h04m46s
